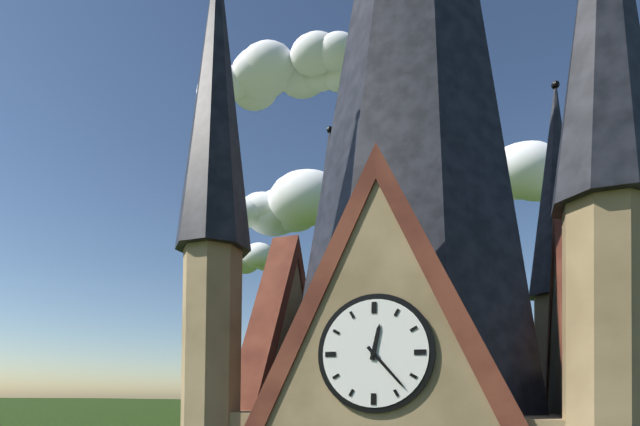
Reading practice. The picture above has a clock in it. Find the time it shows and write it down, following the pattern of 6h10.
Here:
12h23
